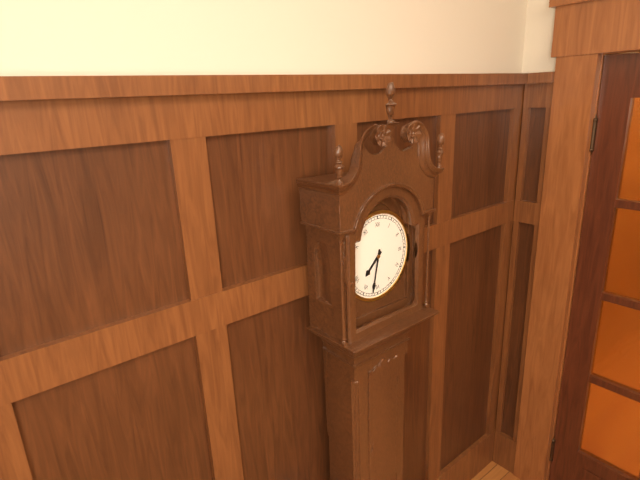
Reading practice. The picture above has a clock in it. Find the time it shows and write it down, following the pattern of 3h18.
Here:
7h32
